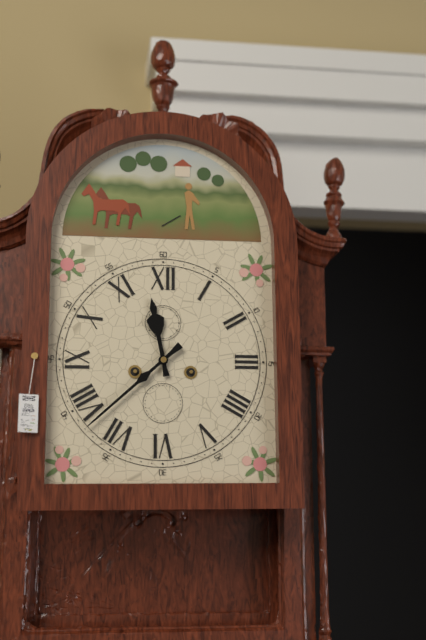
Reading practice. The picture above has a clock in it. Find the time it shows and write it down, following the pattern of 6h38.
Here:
11h38
